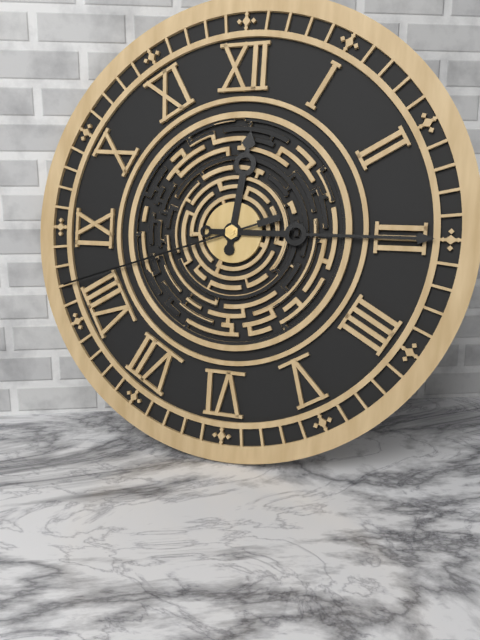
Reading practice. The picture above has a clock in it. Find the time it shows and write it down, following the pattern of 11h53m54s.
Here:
12h15m42s
